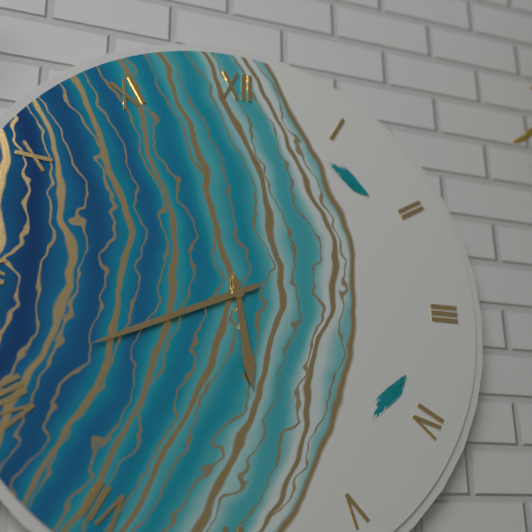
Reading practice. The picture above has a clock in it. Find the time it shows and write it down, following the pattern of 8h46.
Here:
5h41
